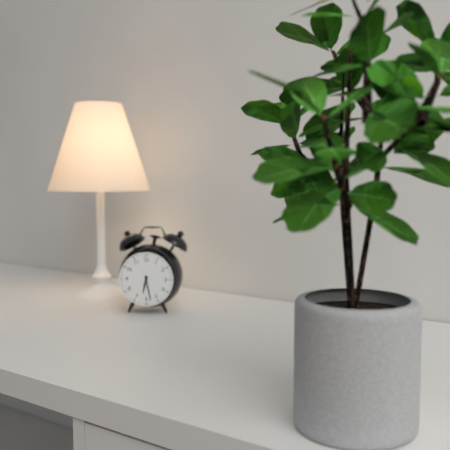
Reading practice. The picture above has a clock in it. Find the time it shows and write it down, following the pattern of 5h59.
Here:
6h28
